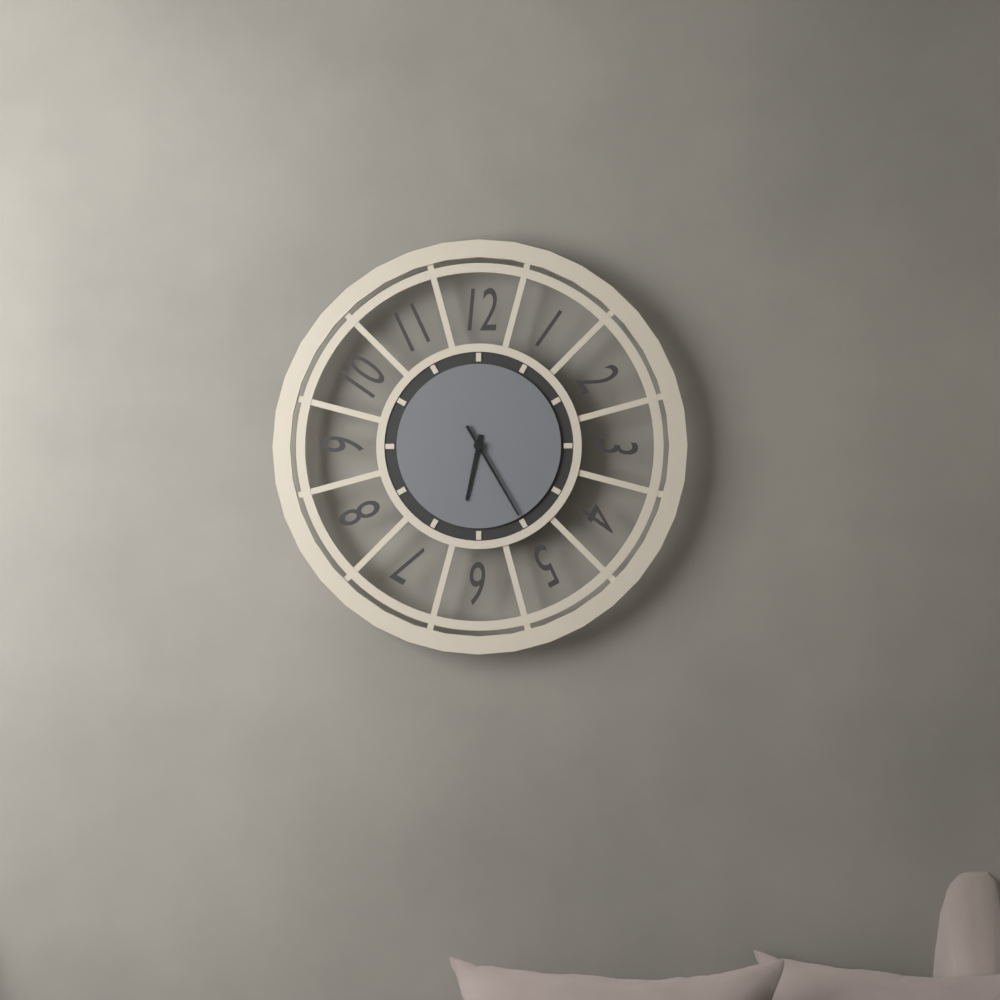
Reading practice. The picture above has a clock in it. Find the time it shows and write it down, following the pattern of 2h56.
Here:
6h25
